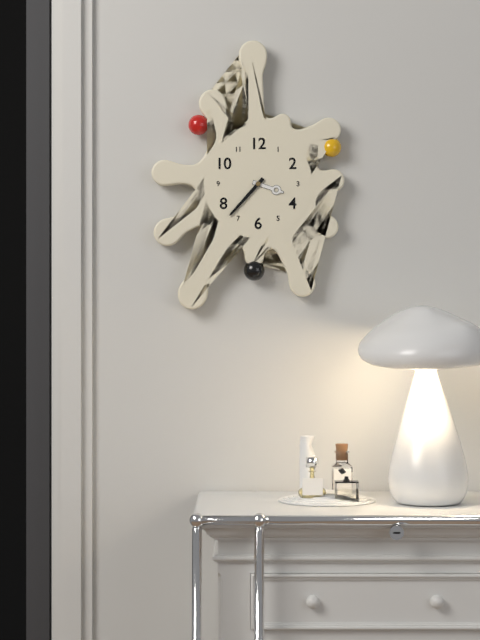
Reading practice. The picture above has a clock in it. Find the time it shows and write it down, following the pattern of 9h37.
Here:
3h37
